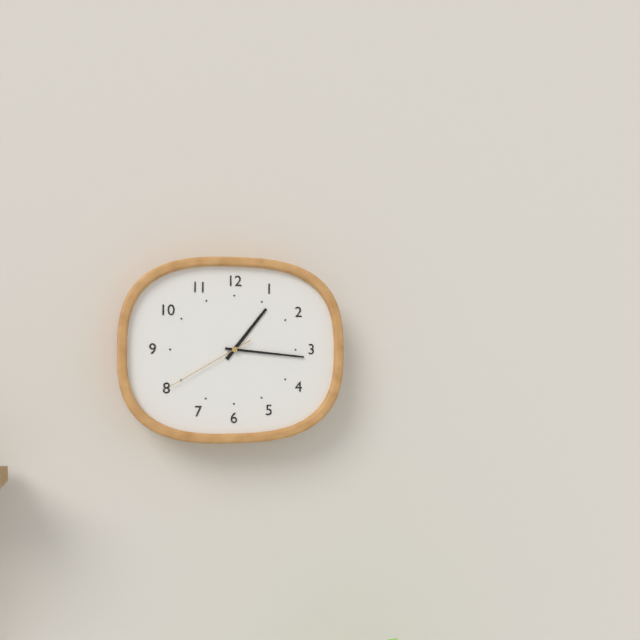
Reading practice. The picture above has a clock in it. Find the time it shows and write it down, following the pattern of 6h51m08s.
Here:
1h16m40s
